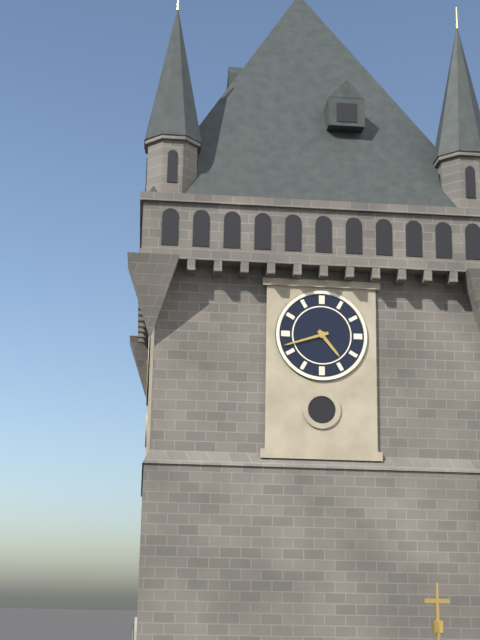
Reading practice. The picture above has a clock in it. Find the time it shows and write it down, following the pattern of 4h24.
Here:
4h42
